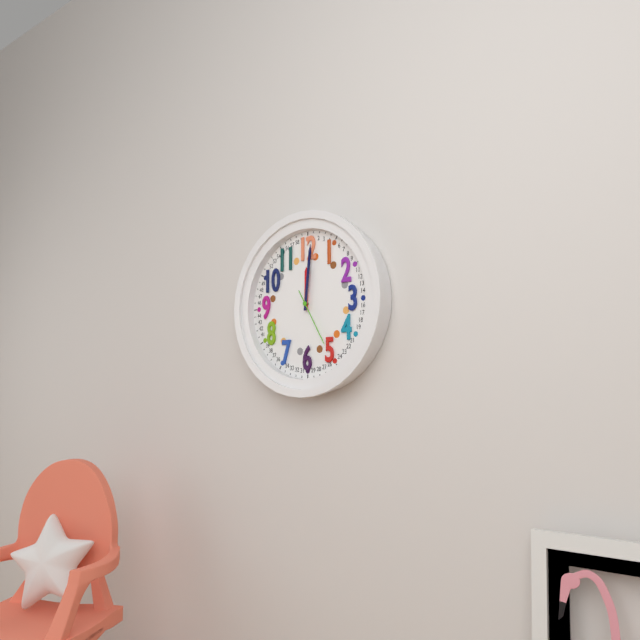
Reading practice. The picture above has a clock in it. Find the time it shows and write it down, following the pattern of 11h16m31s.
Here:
12h01m25s
